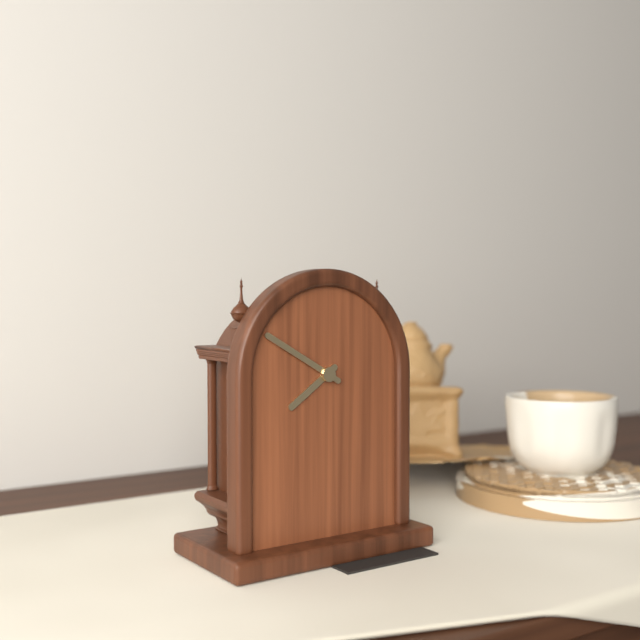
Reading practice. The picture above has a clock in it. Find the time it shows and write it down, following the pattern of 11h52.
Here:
7h50
